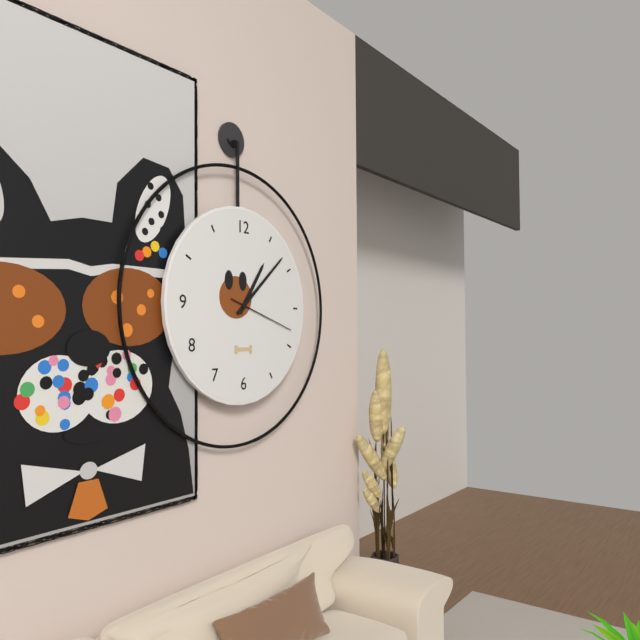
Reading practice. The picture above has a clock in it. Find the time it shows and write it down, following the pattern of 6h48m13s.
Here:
1h08m18s
